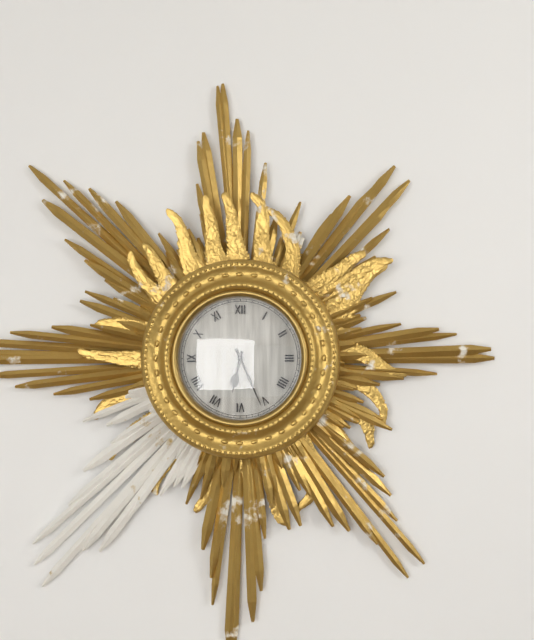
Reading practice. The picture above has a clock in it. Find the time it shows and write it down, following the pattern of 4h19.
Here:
6h26
